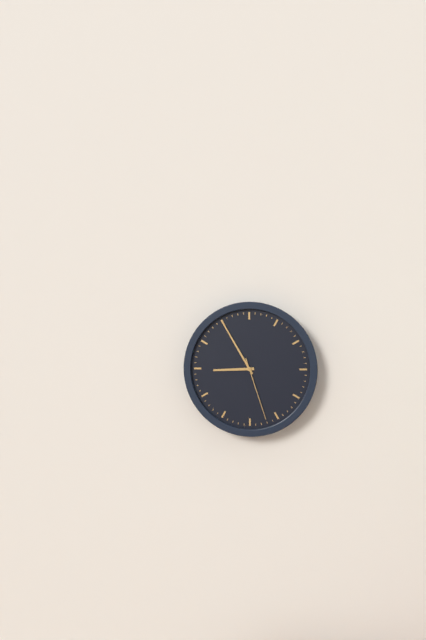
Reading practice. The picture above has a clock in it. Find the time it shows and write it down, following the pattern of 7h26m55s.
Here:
8h55m27s
